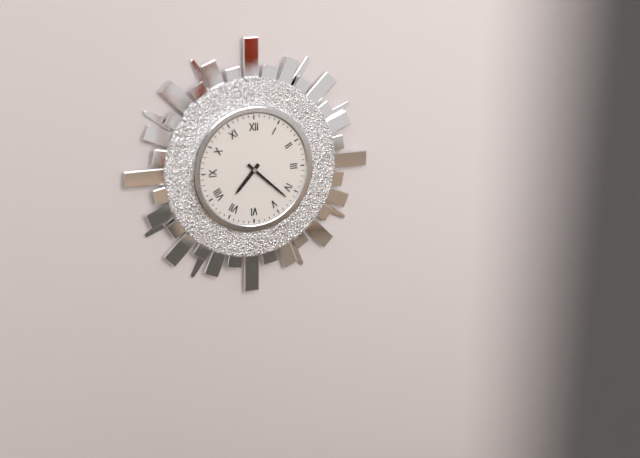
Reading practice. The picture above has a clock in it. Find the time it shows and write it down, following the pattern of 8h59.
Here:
7h22
